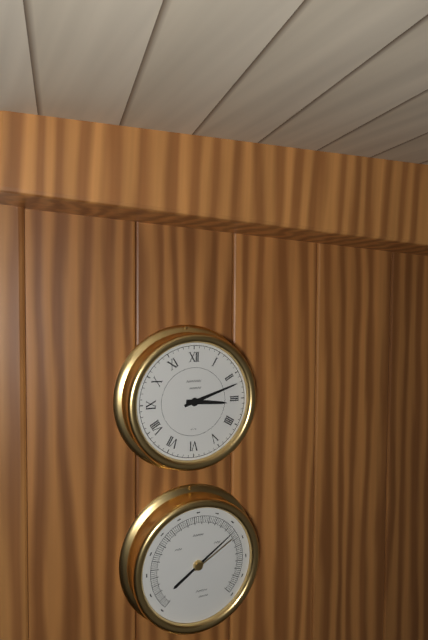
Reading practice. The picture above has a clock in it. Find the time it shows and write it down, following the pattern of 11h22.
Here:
3h12
